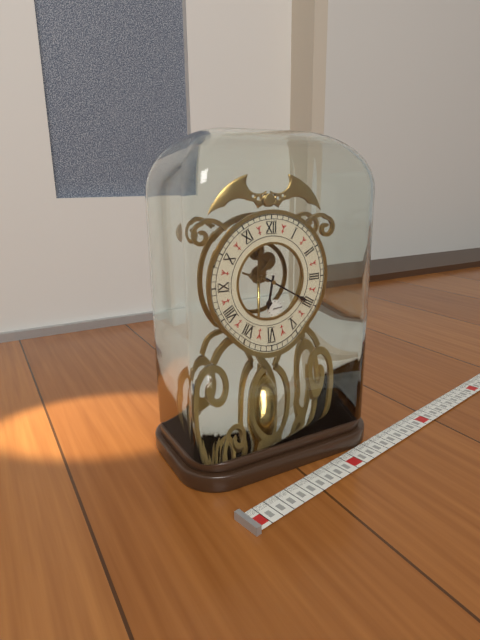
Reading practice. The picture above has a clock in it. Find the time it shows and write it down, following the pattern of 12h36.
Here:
6h20
